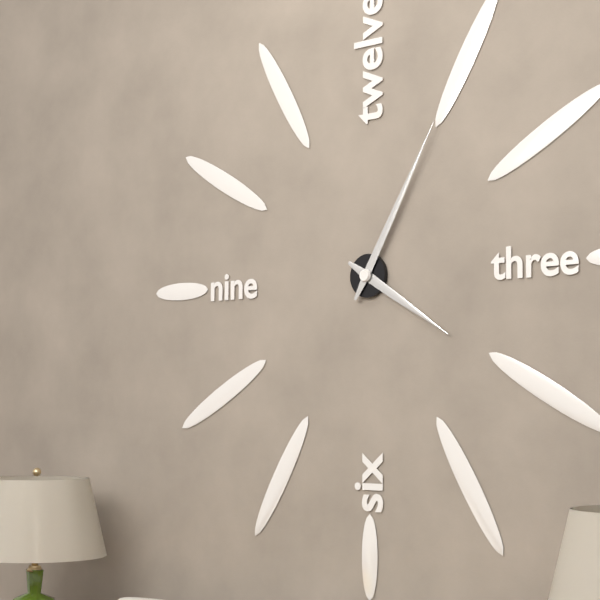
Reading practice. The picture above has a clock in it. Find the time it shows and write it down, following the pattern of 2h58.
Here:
4h05
